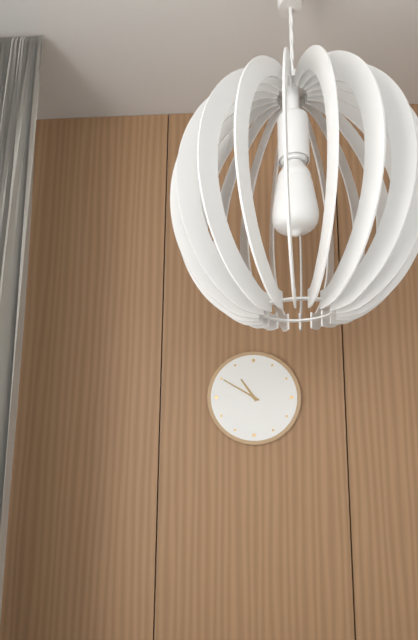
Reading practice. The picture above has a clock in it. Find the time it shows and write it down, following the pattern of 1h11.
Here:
10h50
